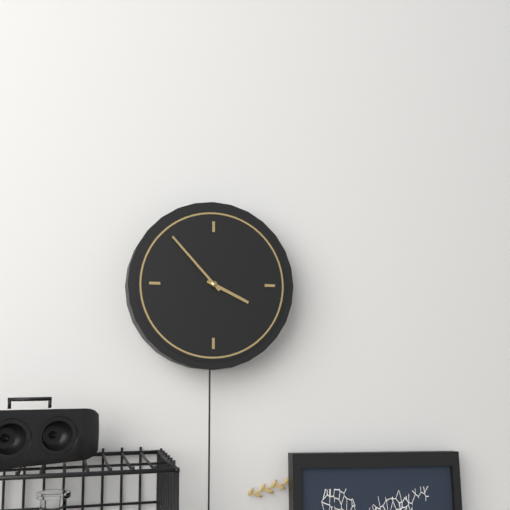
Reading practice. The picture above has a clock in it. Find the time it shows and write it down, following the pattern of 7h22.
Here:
3h53
